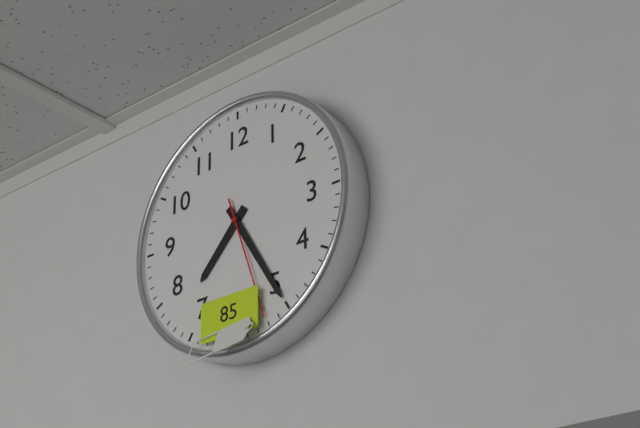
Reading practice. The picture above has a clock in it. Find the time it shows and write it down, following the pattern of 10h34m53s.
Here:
7h25m27s
